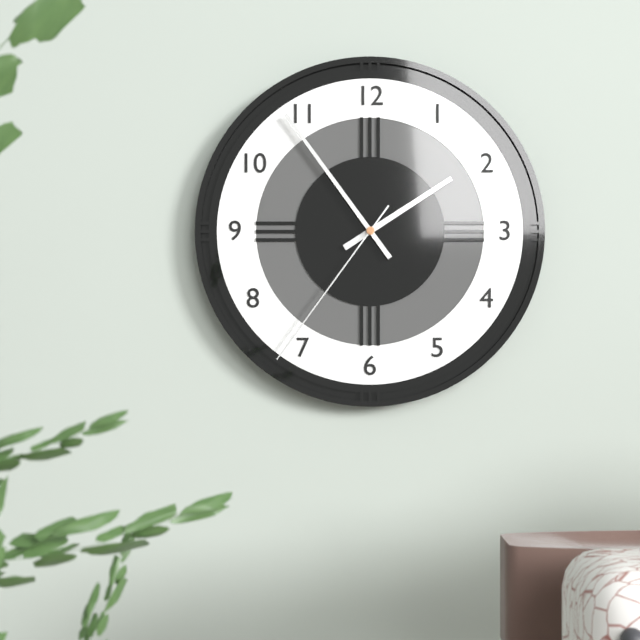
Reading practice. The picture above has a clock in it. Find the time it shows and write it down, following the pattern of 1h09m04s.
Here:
1h54m36s
